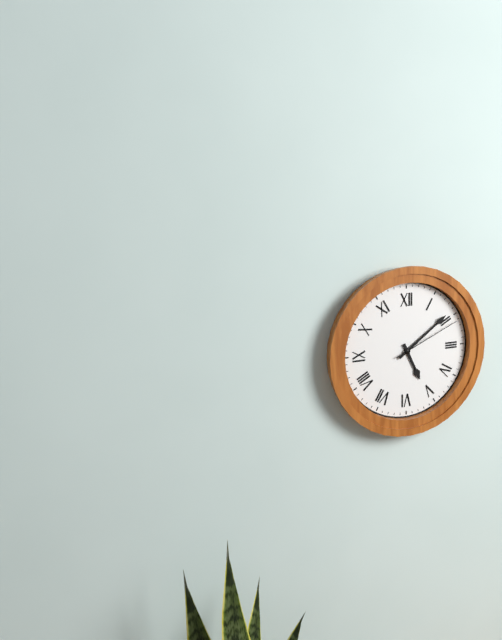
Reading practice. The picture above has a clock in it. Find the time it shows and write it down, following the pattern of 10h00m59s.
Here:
5h09m11s
